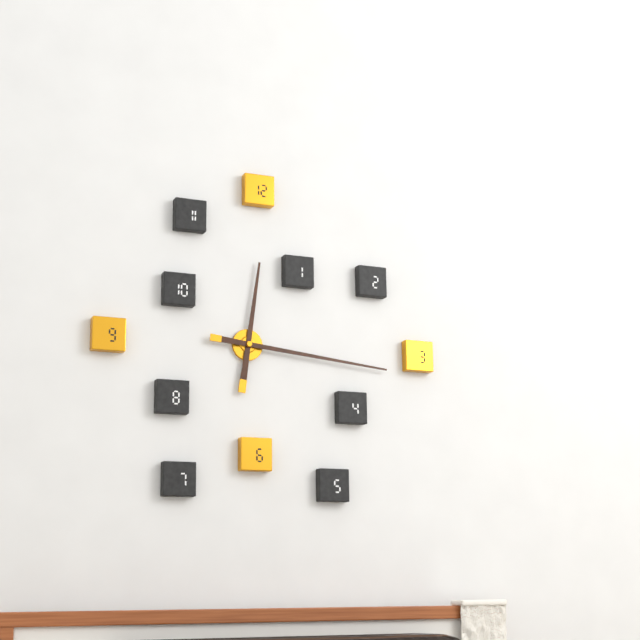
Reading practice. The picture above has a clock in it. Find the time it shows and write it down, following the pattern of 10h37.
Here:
12h16
